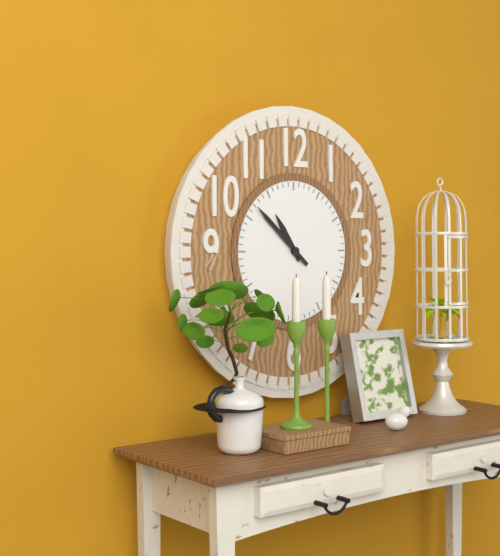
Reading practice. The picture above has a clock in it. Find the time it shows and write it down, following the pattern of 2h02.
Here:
10h52
